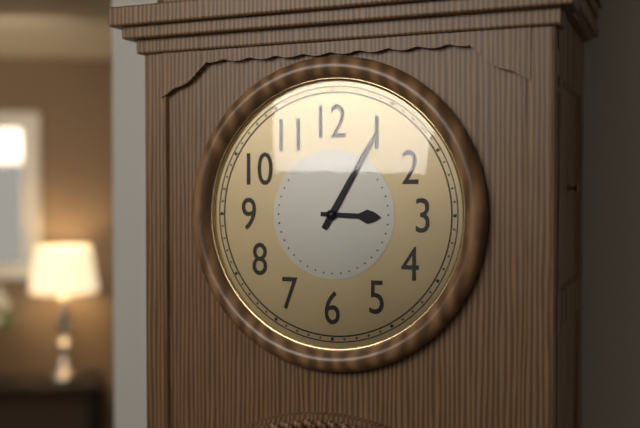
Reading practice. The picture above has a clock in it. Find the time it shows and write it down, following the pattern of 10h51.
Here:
3h05
